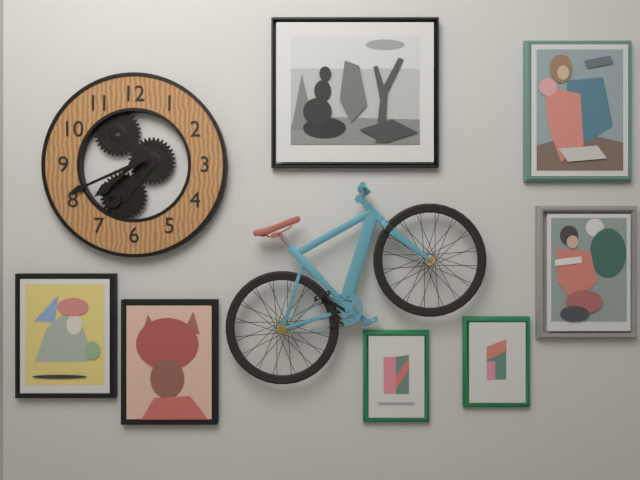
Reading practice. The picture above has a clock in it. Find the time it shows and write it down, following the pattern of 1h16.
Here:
7h41
